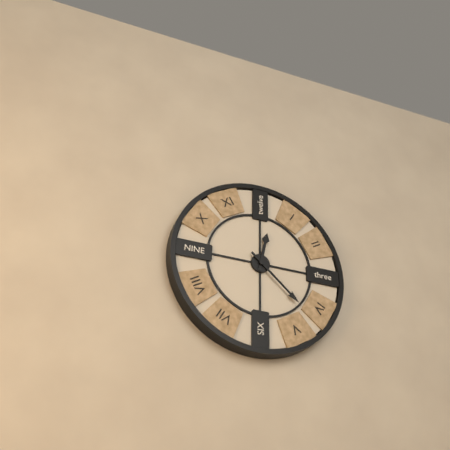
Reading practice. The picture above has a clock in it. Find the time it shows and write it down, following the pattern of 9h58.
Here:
12h22
